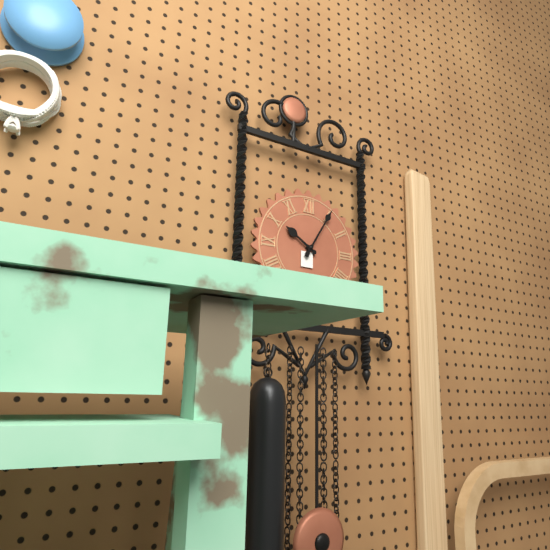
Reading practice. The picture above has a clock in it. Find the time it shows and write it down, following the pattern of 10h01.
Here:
10h05
